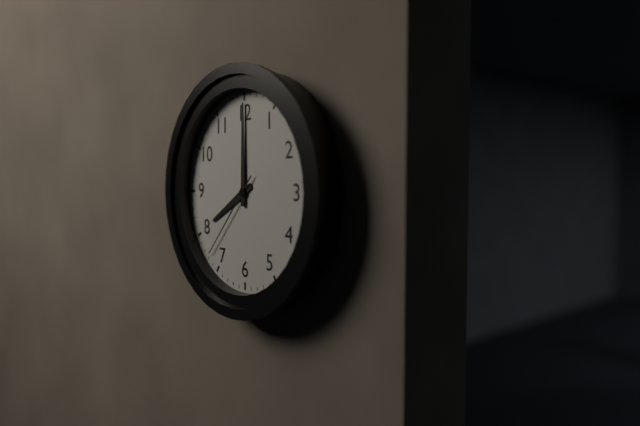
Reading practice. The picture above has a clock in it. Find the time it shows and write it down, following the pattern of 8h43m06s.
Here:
8h00m37s
